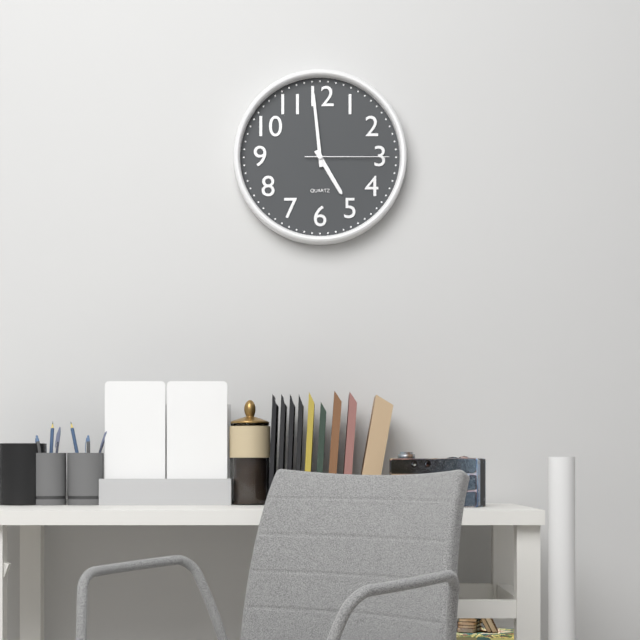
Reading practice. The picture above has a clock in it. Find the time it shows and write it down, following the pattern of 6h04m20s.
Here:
4h59m15s
